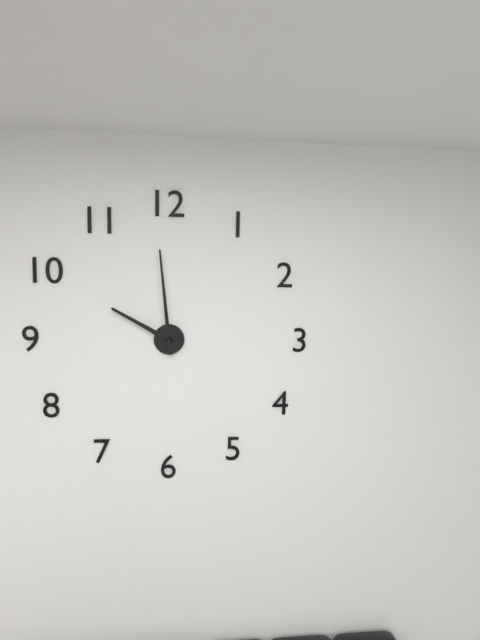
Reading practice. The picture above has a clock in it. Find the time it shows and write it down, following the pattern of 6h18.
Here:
9h59
